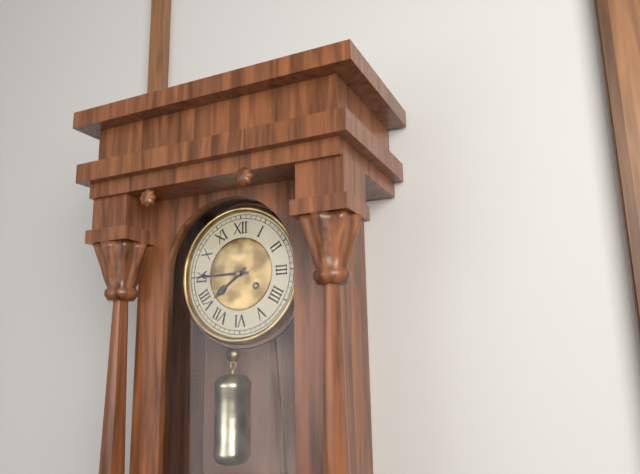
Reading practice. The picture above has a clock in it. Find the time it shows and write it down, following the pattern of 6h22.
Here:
7h45
